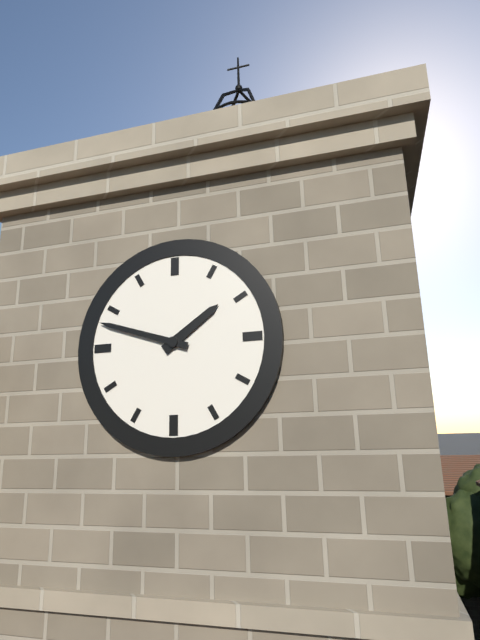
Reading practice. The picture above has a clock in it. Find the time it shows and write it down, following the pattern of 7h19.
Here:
1h48
